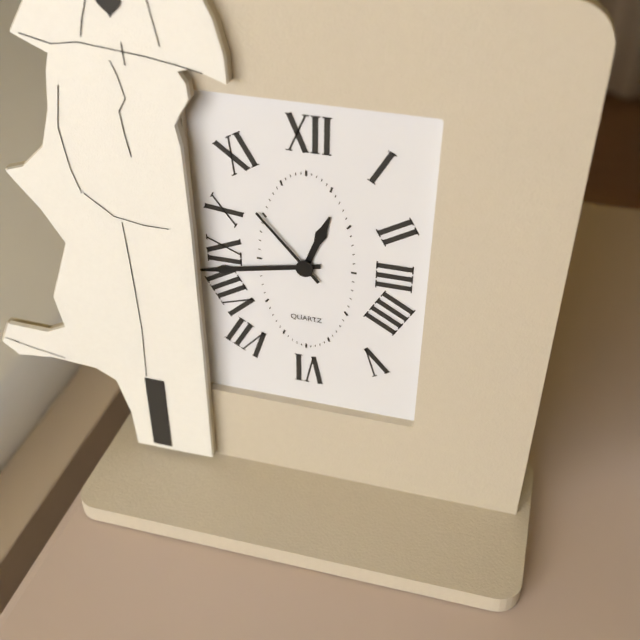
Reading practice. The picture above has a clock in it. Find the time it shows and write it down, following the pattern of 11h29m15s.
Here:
12h43m53s
